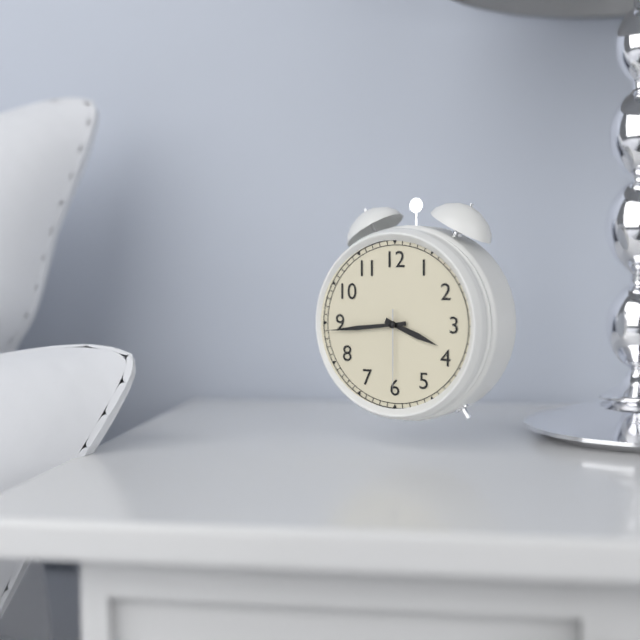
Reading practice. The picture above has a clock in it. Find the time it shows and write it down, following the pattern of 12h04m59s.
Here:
3h44m30s
